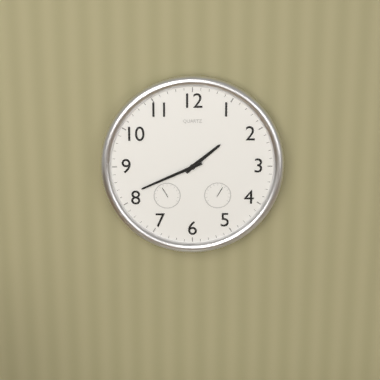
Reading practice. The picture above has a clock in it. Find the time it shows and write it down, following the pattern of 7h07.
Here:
1h41
